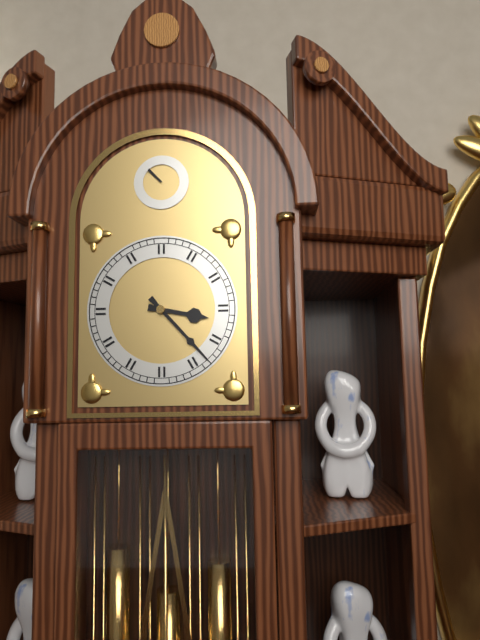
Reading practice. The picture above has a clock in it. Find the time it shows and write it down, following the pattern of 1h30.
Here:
3h23
